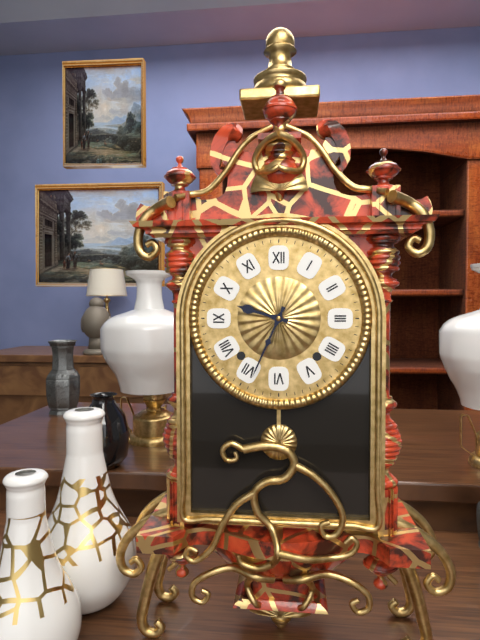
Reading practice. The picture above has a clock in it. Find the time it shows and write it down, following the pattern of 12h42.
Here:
9h34
